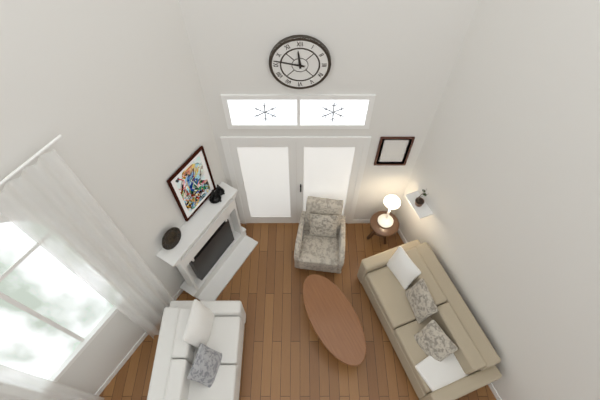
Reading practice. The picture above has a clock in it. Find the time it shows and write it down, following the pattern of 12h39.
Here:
11h47
